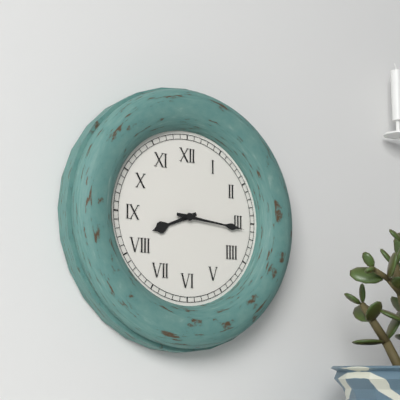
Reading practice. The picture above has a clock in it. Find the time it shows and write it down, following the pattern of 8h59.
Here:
8h16
